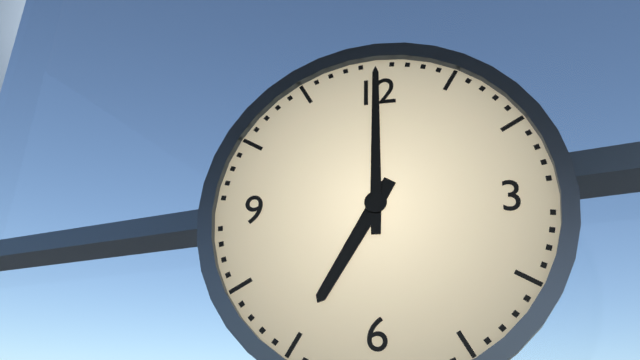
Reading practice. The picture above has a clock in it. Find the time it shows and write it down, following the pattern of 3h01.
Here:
7h00
